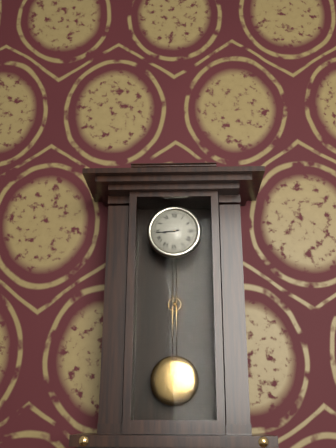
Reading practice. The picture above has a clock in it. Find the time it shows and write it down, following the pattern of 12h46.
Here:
8h44
